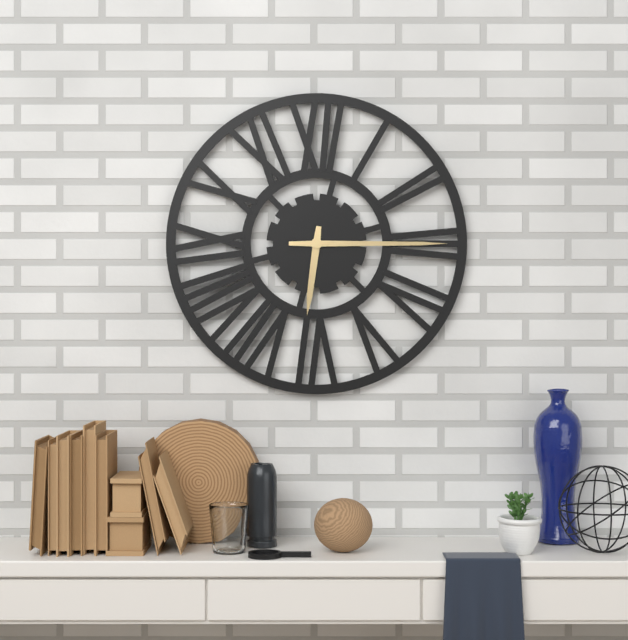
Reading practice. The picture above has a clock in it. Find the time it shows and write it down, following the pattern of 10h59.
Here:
6h15
